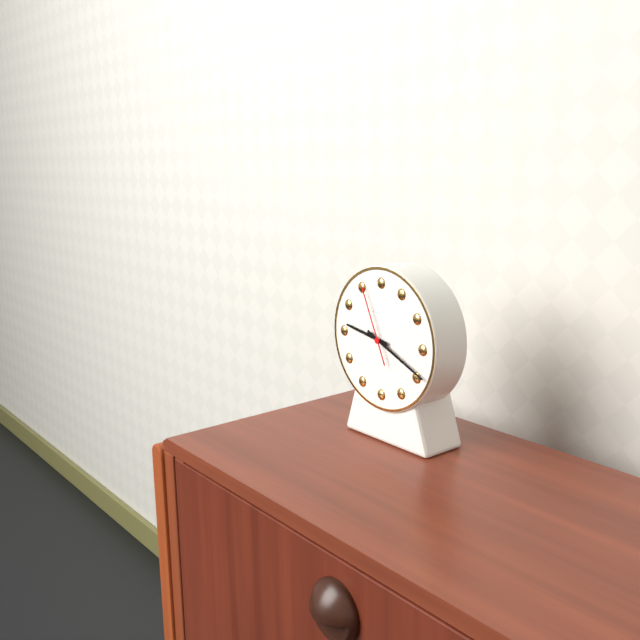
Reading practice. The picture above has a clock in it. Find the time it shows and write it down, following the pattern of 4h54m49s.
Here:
9h19m56s
